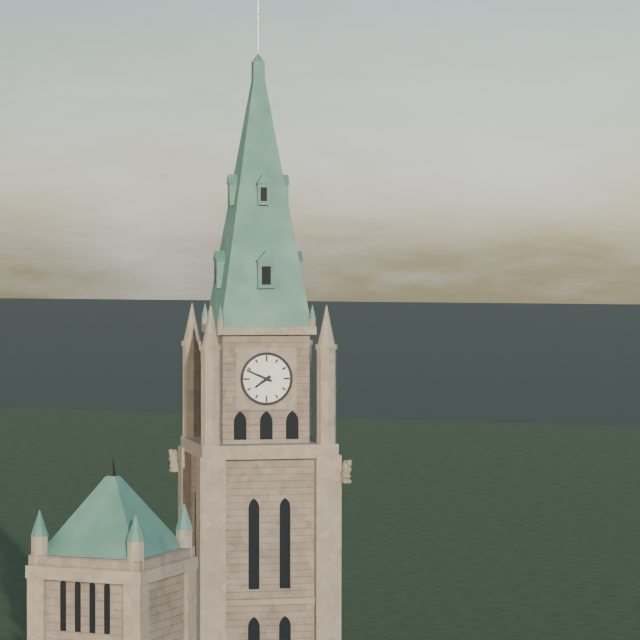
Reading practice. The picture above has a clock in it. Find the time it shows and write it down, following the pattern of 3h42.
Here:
7h49
